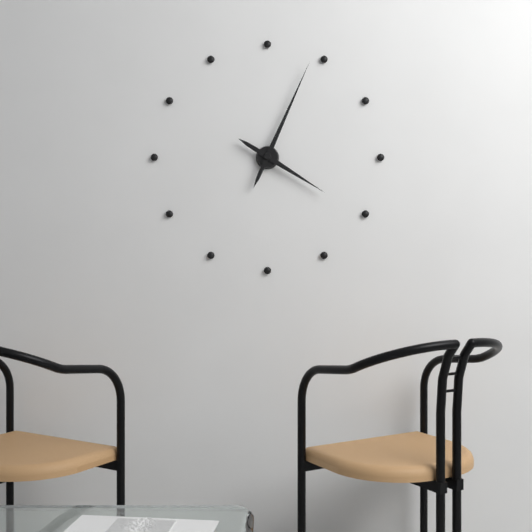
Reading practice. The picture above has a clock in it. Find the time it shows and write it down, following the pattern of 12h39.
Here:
4h04
